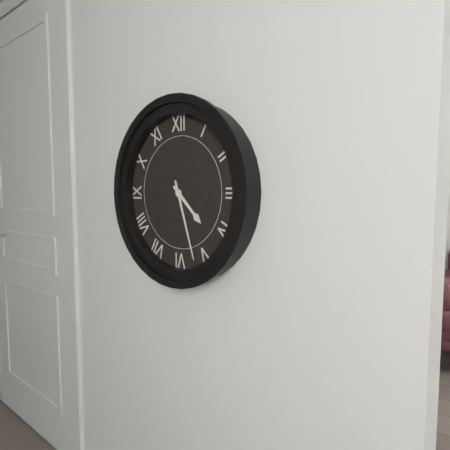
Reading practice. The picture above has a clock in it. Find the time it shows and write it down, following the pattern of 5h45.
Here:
4h27
